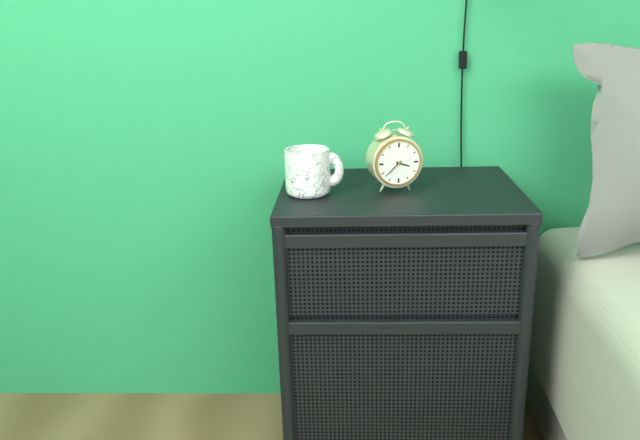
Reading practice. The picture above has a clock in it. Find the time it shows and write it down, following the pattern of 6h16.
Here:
3h38
